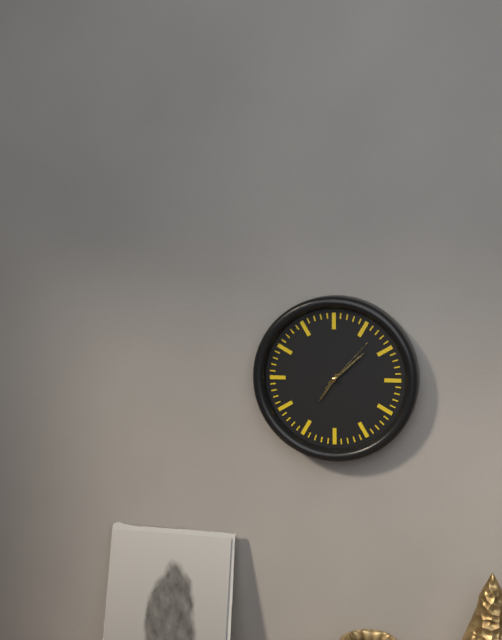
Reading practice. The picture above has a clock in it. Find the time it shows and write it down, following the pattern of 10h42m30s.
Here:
7h08m07s
